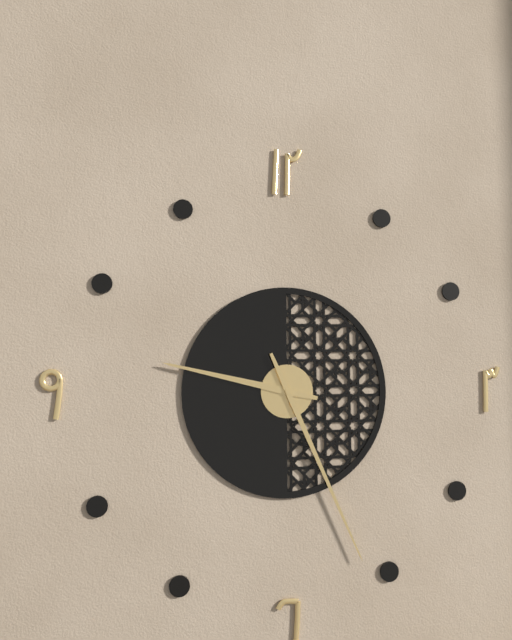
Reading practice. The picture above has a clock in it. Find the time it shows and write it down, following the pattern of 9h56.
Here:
9h26
